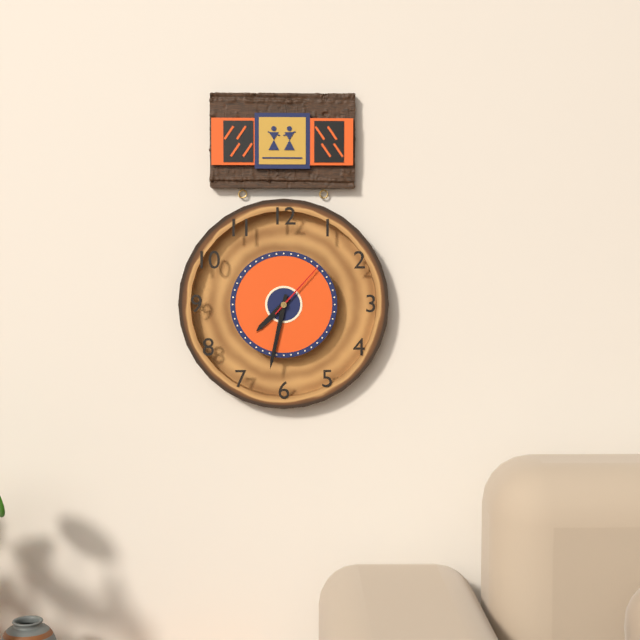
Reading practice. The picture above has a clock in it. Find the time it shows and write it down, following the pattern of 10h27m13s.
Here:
7h32m07s
